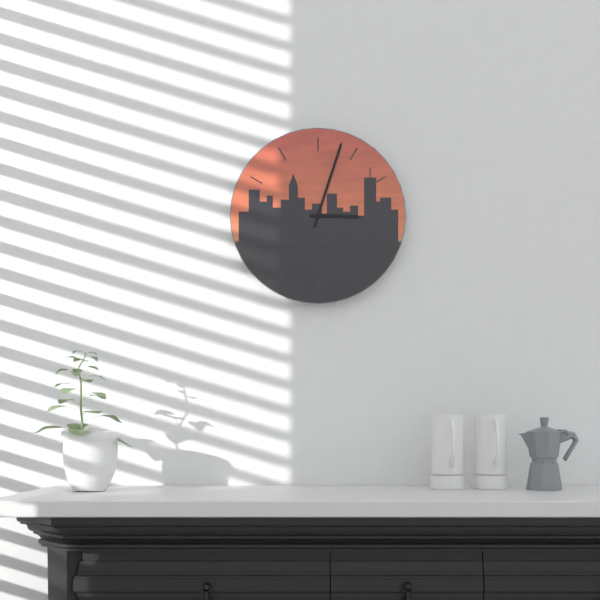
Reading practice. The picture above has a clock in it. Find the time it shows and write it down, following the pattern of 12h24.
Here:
3h03
